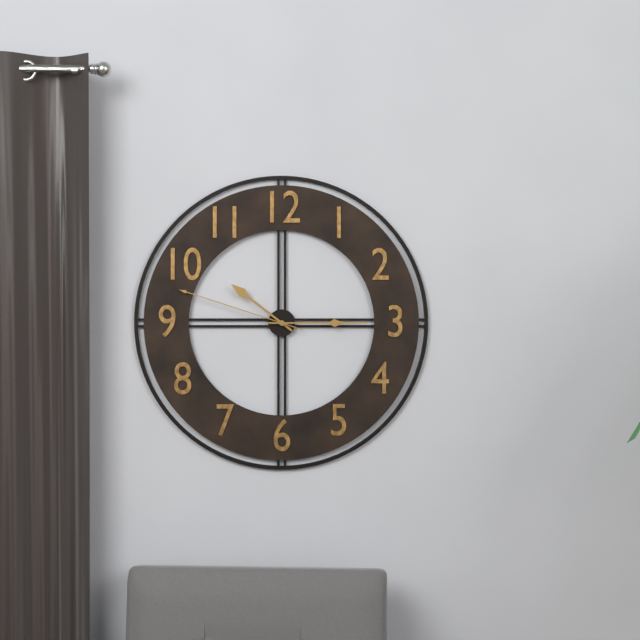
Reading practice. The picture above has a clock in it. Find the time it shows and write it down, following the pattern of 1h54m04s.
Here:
10h15m48s
